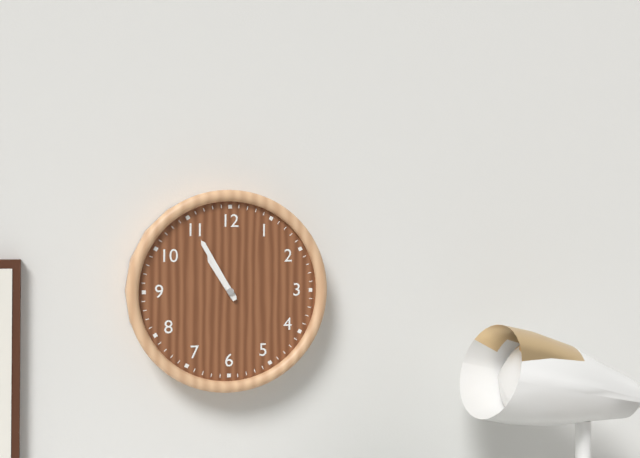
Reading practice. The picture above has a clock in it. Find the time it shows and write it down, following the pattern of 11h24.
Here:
10h55
